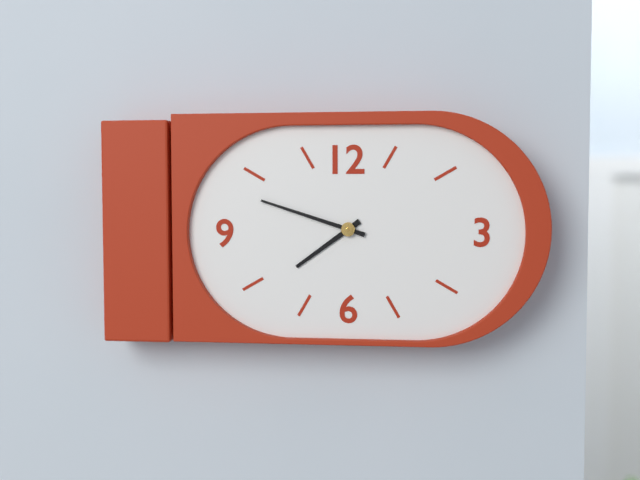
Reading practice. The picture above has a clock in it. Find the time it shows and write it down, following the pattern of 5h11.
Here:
7h48
